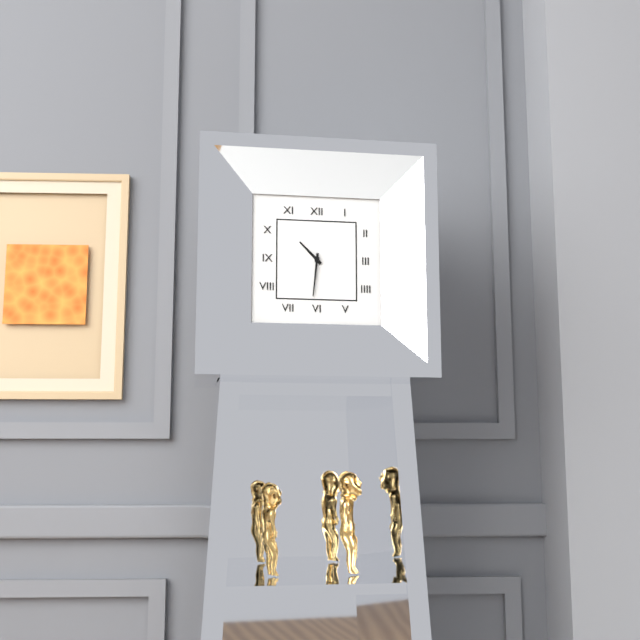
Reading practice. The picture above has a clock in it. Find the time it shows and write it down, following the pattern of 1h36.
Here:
10h31
